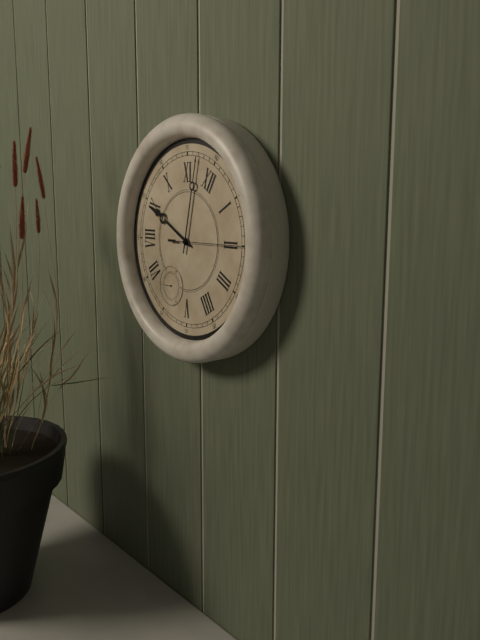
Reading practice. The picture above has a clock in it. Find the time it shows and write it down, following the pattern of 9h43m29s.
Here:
8h57m10s
